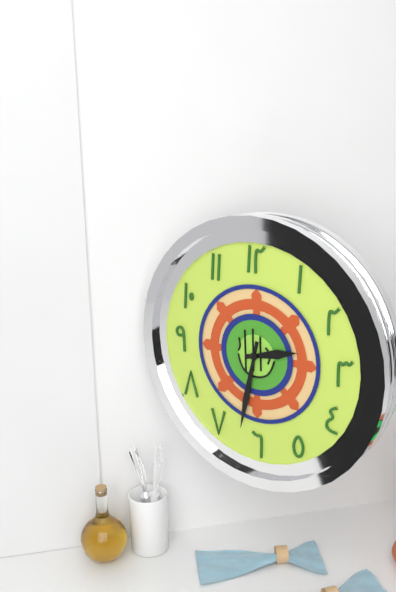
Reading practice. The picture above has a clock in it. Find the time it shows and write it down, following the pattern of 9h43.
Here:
2h32
